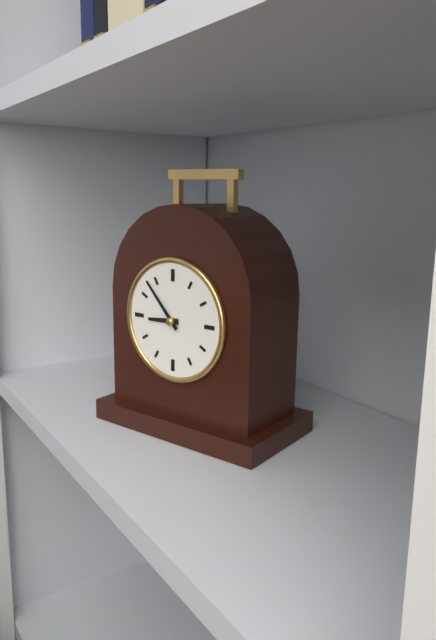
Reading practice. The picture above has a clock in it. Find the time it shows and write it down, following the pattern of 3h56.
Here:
8h53
